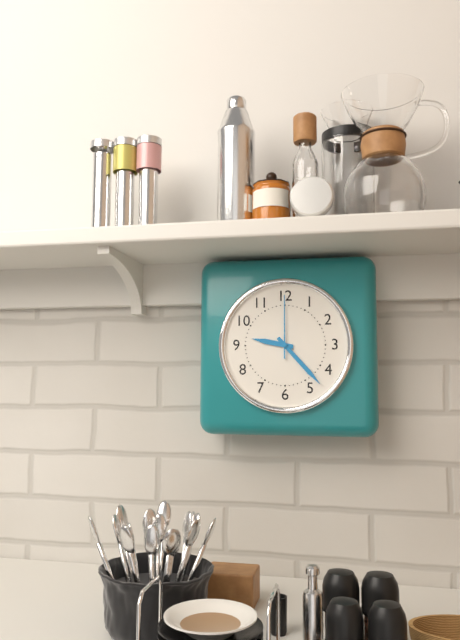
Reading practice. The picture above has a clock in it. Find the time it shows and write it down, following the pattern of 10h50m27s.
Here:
9h23m00s
